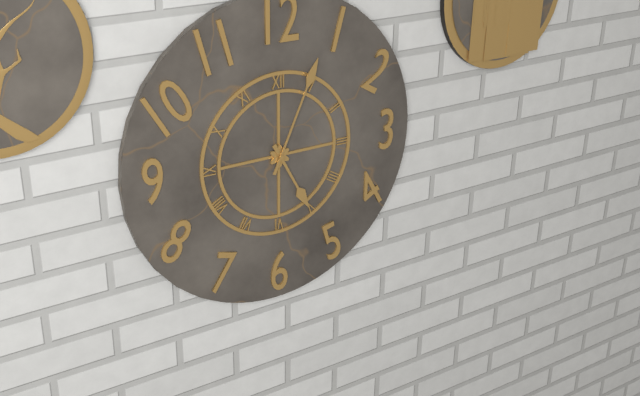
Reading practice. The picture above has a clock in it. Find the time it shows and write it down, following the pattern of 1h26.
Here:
5h04
